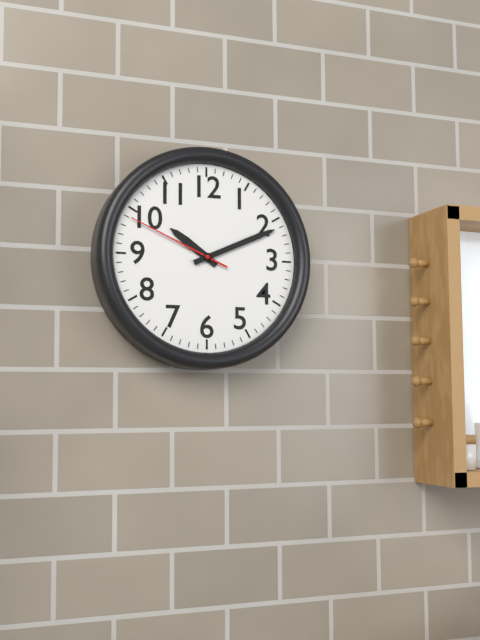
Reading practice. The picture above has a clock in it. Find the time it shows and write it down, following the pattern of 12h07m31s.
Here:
10h11m49s
